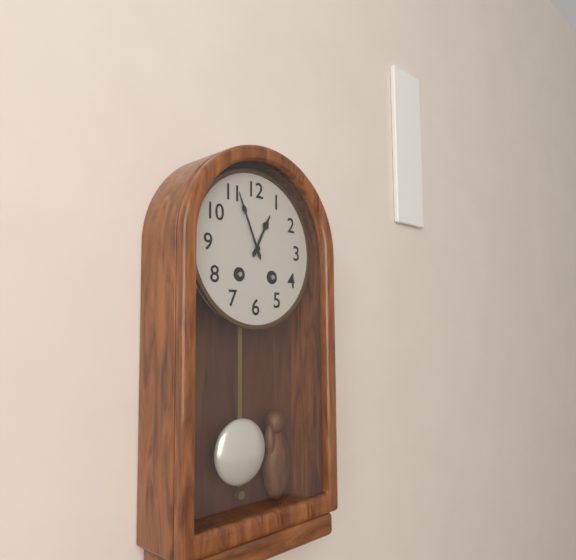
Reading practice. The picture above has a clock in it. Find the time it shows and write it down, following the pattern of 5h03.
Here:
12h56
